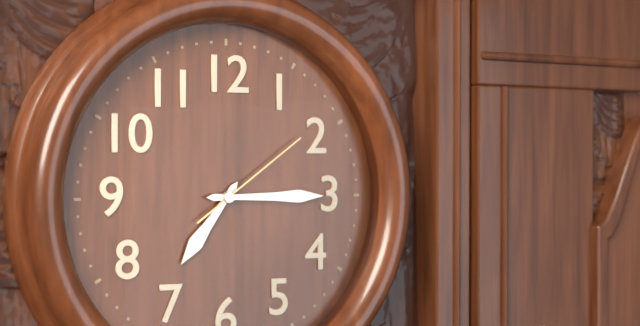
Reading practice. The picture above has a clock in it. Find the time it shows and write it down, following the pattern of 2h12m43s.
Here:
7h15m09s
